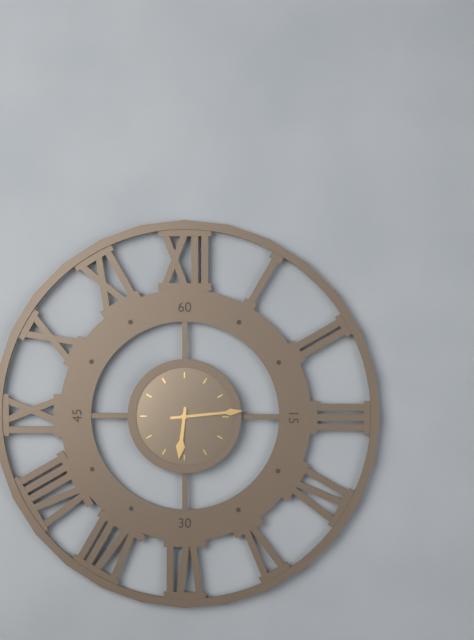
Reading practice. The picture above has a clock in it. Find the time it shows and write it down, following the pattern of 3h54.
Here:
6h14
